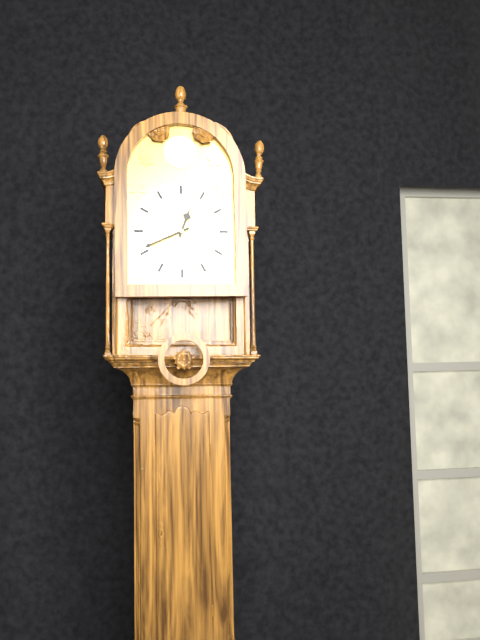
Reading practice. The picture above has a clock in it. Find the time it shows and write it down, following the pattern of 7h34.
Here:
12h41
